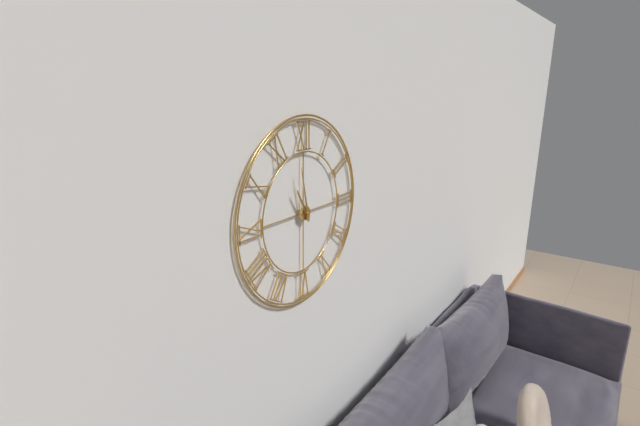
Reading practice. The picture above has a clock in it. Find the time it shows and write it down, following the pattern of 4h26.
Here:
10h58
